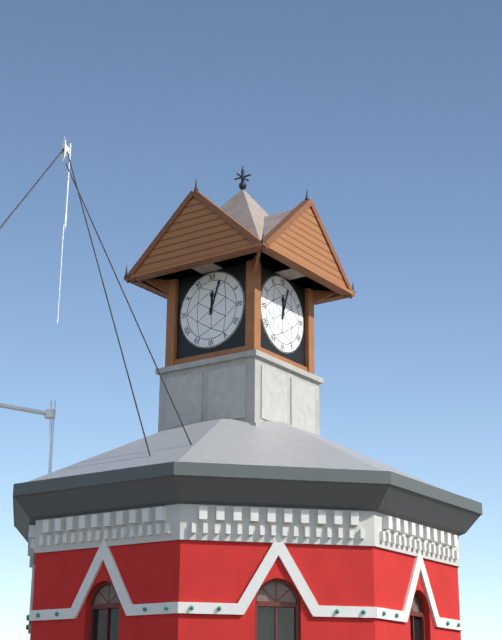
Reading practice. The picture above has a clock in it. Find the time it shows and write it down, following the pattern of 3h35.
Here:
12h03
